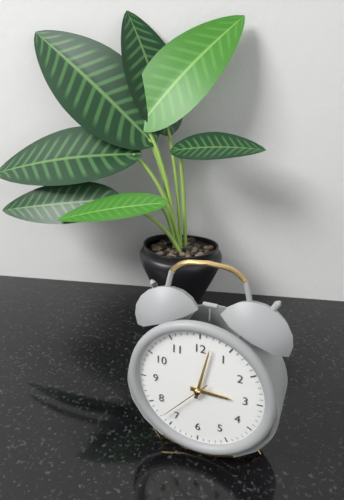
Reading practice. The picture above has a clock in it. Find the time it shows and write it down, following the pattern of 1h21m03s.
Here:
3h02m37s
